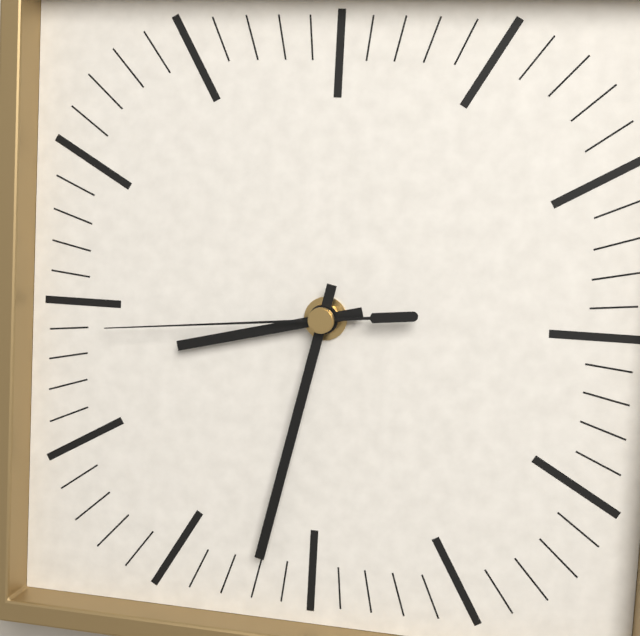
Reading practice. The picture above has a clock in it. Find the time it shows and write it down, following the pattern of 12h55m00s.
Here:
8h32m44s
